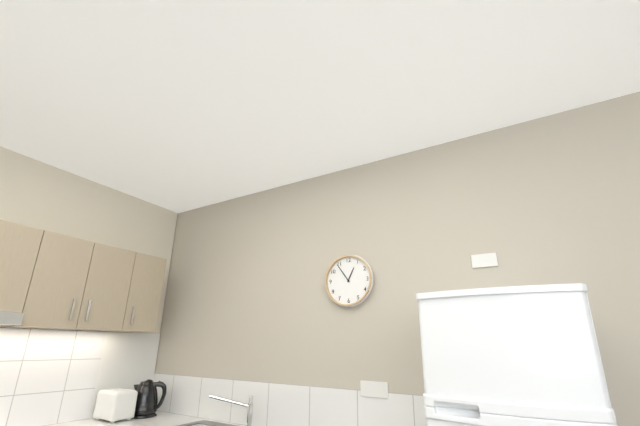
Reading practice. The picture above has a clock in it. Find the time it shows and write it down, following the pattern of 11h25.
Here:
12h54
